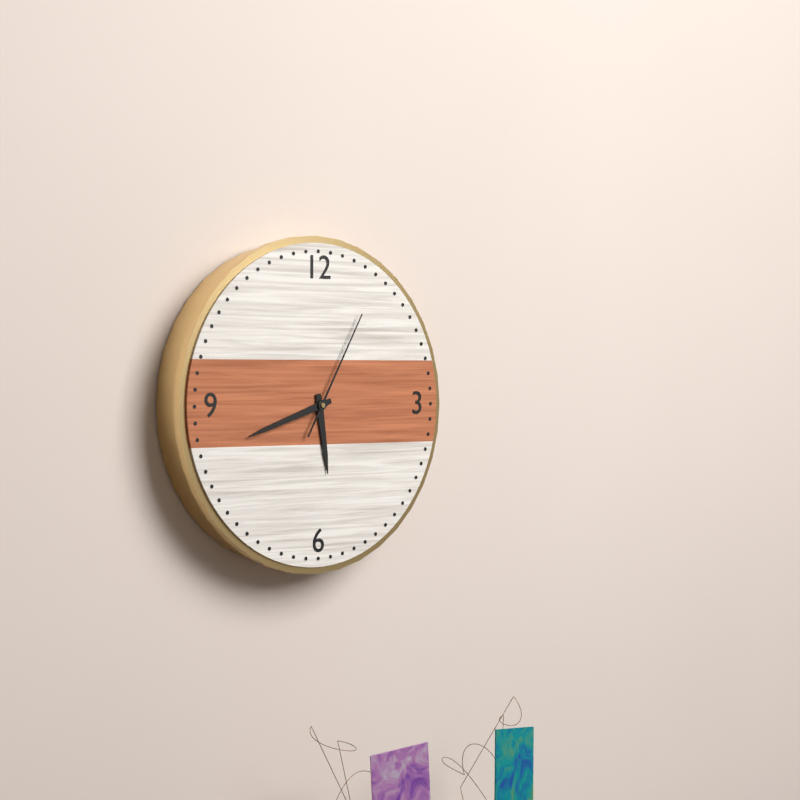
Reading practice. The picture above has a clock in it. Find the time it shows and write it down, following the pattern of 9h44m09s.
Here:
5h42m05s
